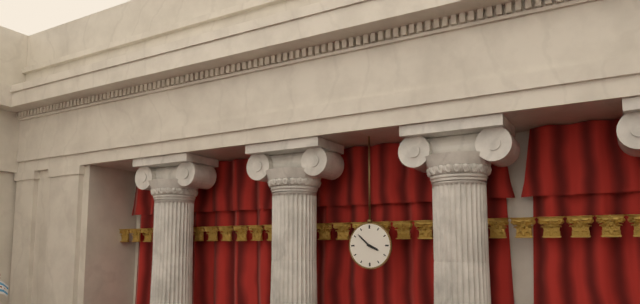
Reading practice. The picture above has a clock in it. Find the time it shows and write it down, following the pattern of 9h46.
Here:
3h52
